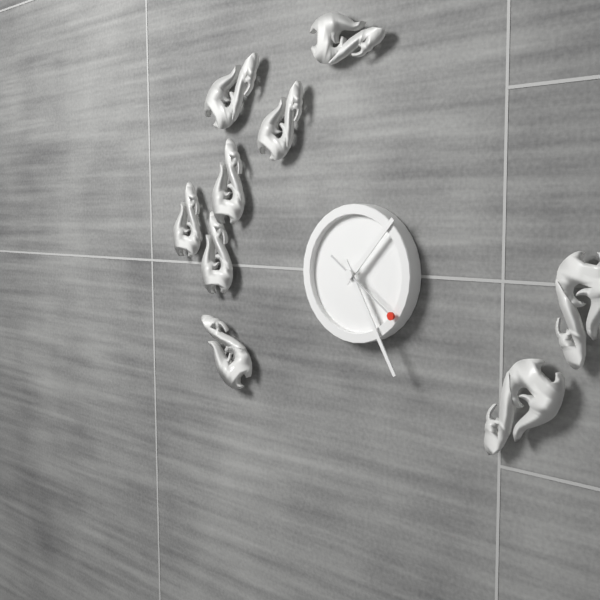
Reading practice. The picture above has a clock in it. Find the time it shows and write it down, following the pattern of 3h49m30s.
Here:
1h25m21s
